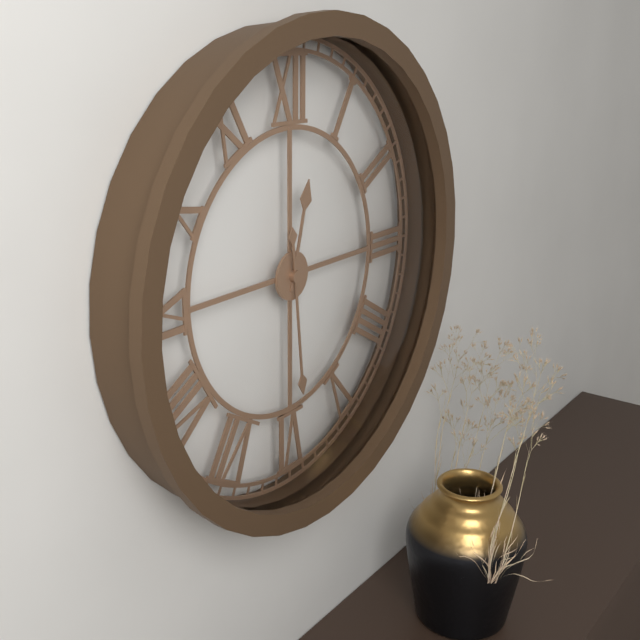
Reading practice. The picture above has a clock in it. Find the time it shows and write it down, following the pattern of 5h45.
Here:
12h29
